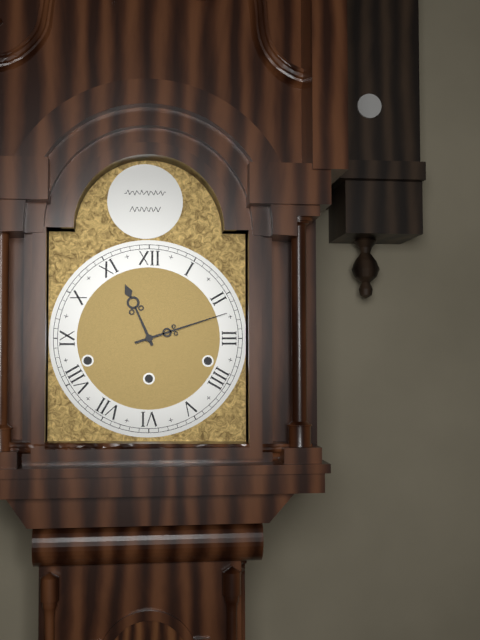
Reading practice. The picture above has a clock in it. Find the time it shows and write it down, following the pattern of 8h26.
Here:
11h12
